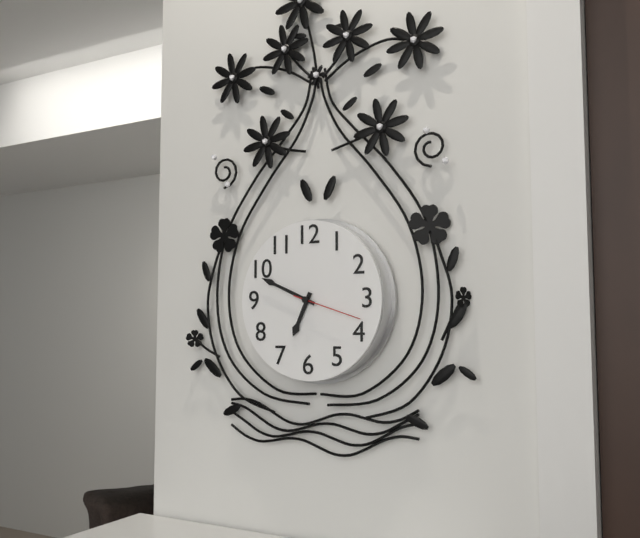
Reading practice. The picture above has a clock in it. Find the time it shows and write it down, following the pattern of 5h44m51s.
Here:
6h49m18s
